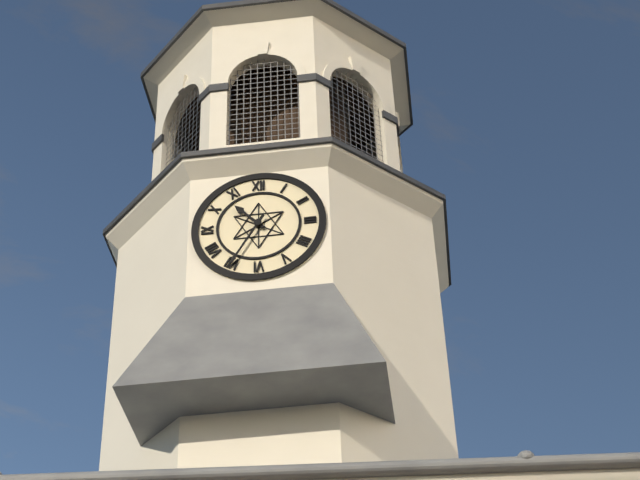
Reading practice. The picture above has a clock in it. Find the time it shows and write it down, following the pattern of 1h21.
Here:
10h35
